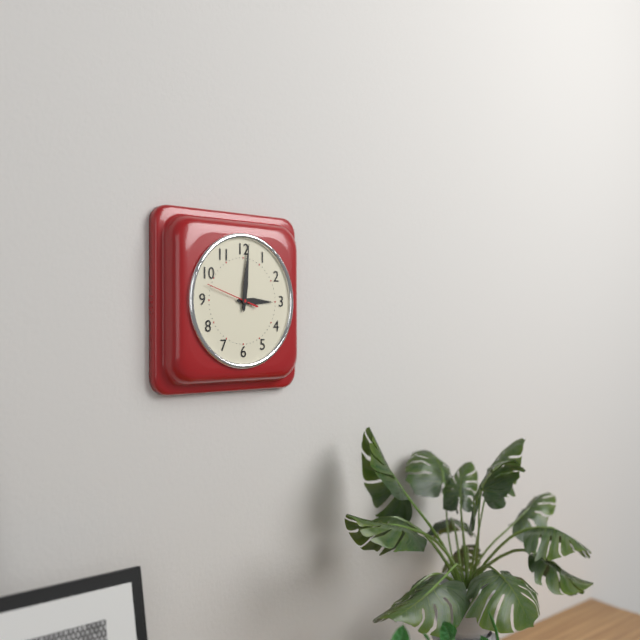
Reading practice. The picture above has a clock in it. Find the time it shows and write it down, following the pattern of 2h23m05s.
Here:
3h01m48s
